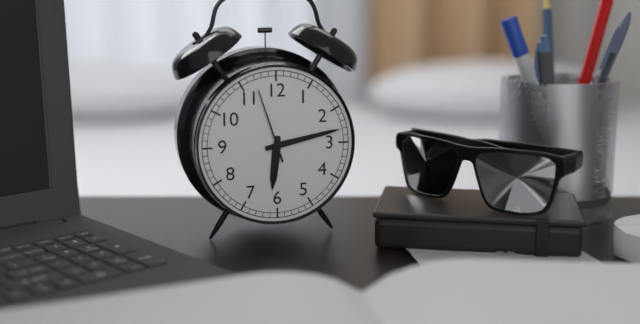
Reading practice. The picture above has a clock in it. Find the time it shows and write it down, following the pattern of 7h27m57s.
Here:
6h13m57s
